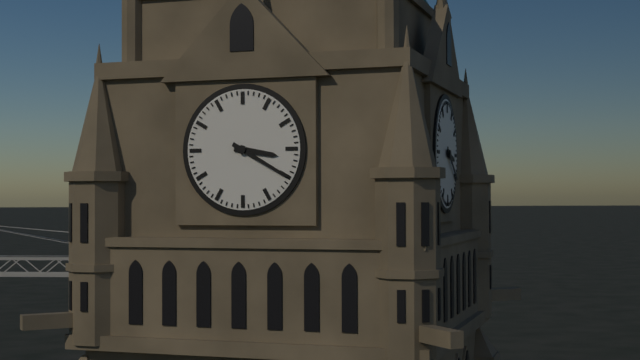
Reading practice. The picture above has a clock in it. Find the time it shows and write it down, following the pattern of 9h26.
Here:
3h20
